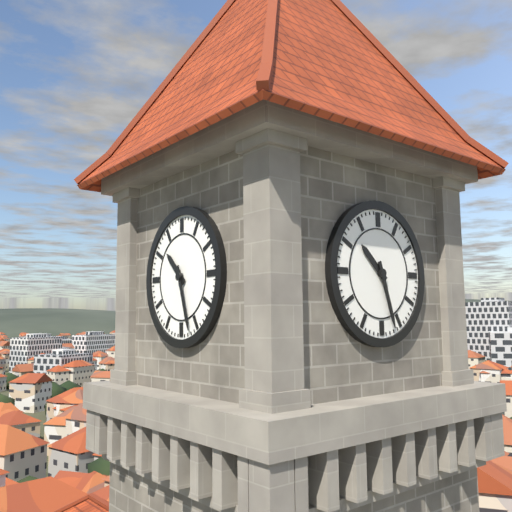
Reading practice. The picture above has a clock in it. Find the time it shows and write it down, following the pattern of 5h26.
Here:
10h27
